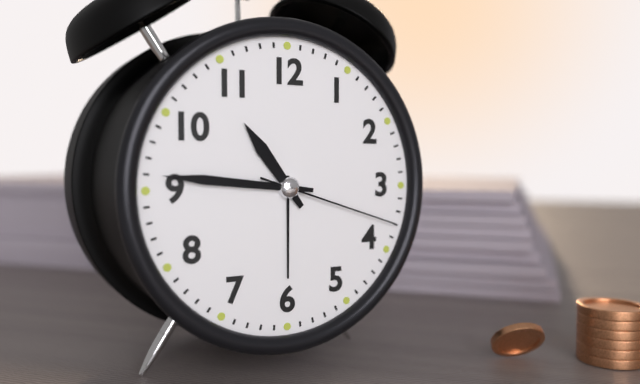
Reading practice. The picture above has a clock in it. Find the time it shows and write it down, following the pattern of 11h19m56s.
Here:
10h46m18s
